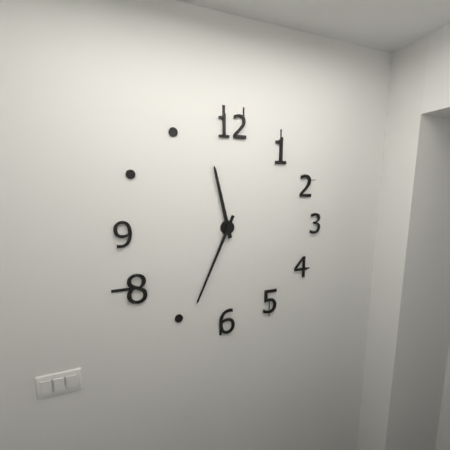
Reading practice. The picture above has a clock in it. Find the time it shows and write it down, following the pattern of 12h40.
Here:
11h34
